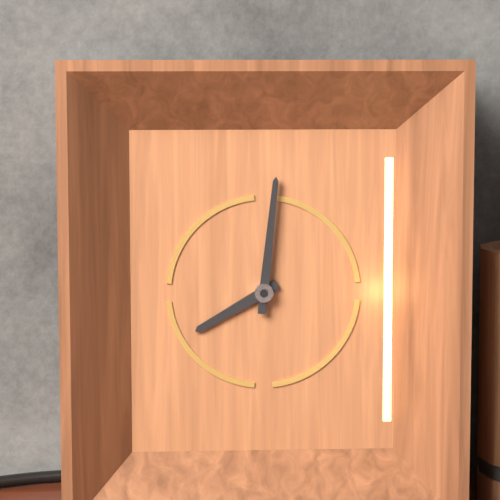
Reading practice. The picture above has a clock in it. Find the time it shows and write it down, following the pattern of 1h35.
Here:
8h01
